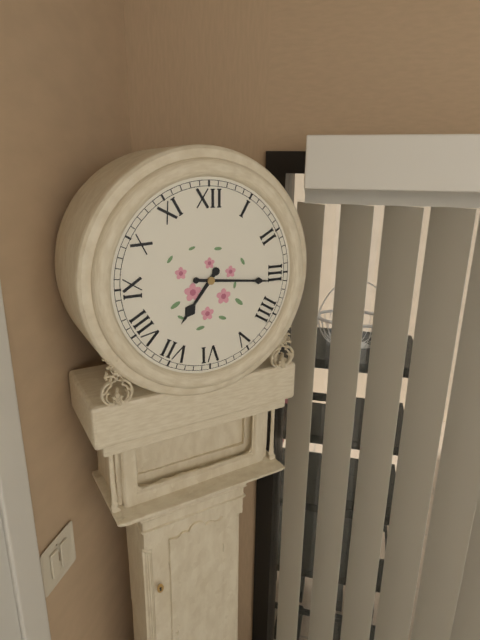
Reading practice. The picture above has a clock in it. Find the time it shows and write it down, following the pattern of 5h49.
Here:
7h16
